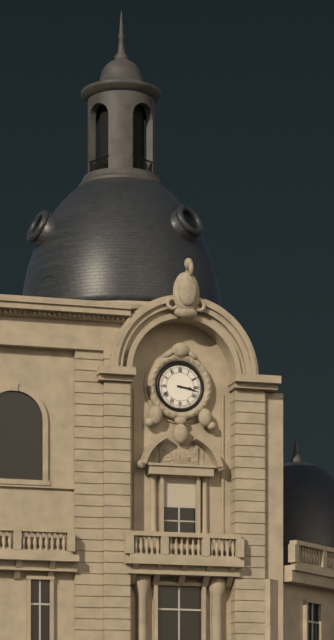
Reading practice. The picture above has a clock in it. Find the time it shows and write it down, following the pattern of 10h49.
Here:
3h17
